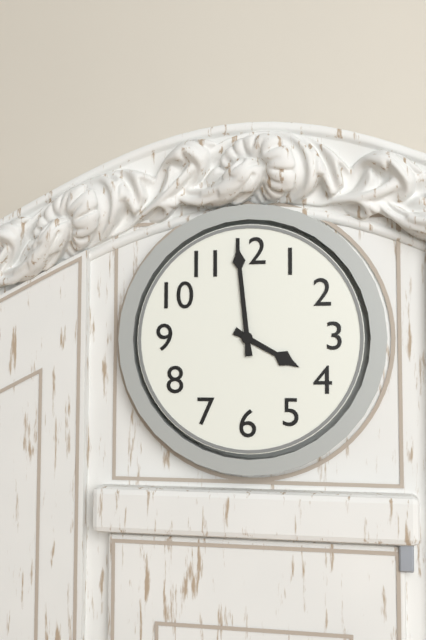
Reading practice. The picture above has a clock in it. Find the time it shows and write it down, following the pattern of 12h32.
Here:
3h59
